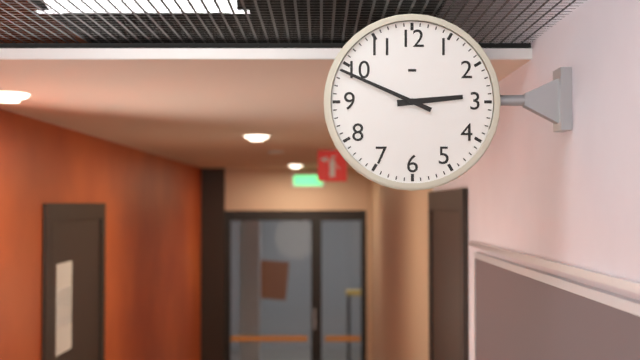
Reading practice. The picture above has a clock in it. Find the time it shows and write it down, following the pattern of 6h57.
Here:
2h49
